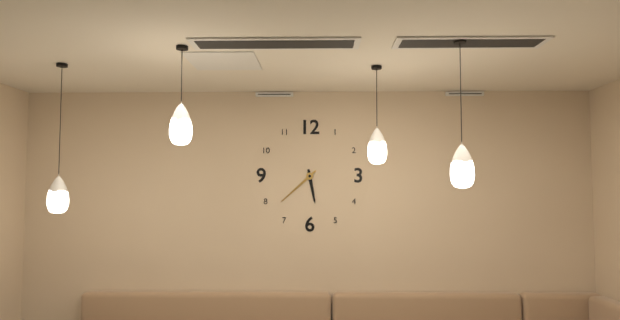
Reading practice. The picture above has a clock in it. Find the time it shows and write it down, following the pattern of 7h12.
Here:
5h38
